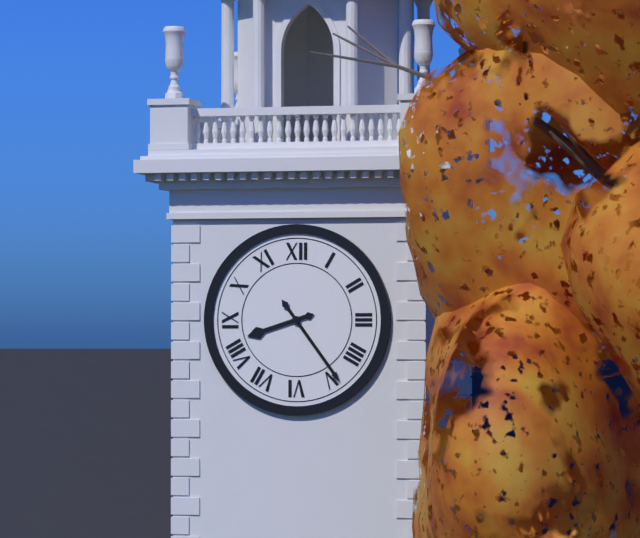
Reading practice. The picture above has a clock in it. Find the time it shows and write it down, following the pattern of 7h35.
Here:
8h24
